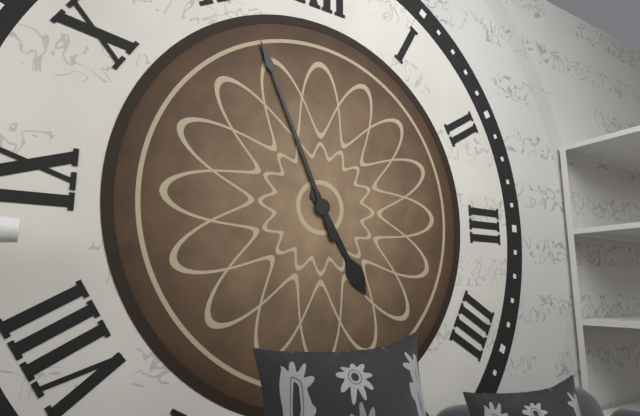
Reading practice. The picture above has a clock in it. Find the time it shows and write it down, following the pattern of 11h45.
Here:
4h56
